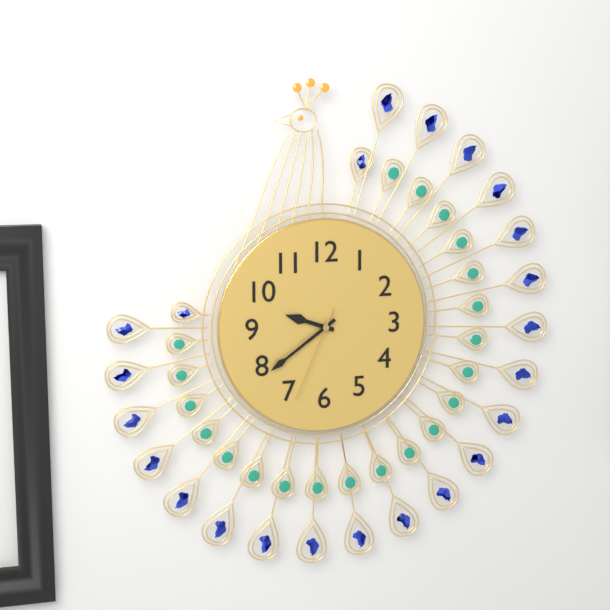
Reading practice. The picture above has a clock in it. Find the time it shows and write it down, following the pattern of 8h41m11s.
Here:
9h39m34s
